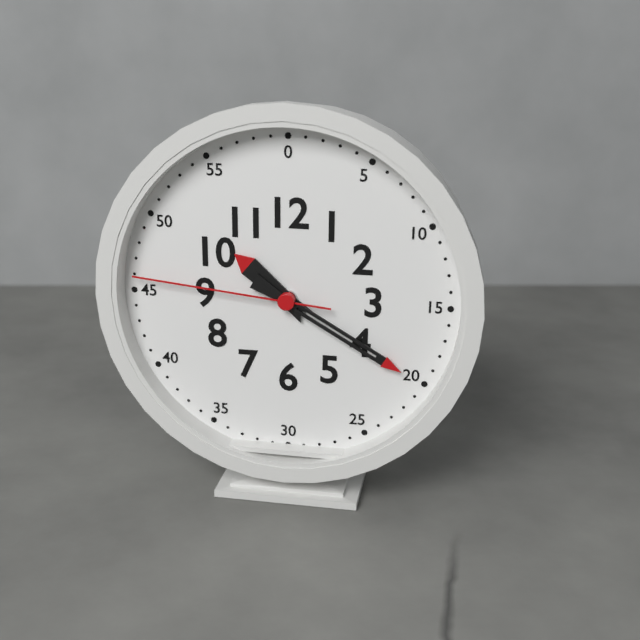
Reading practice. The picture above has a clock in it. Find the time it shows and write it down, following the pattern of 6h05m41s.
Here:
10h20m46s
